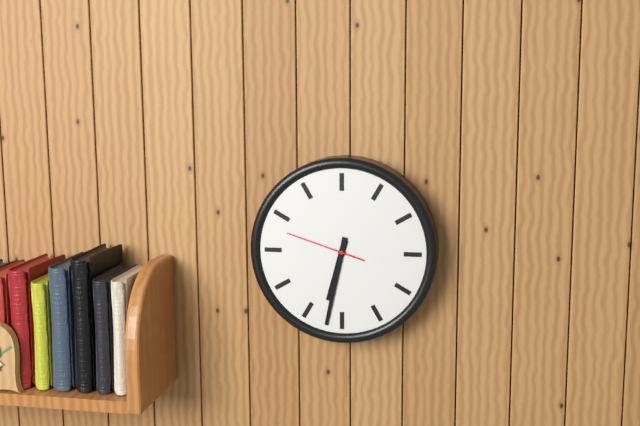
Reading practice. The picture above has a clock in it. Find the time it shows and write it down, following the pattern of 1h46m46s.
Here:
6h32m48s
